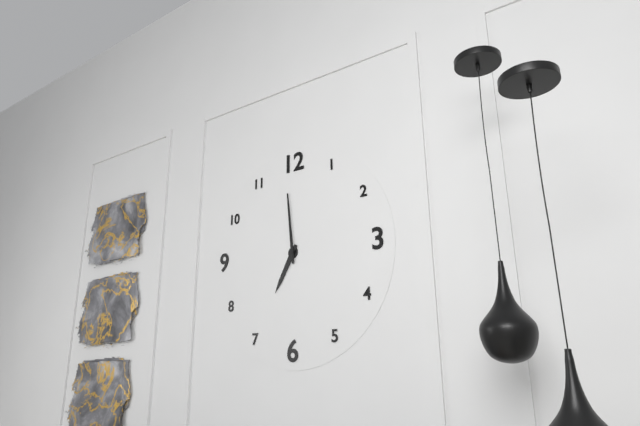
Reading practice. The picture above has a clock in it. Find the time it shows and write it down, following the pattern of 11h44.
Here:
6h59
